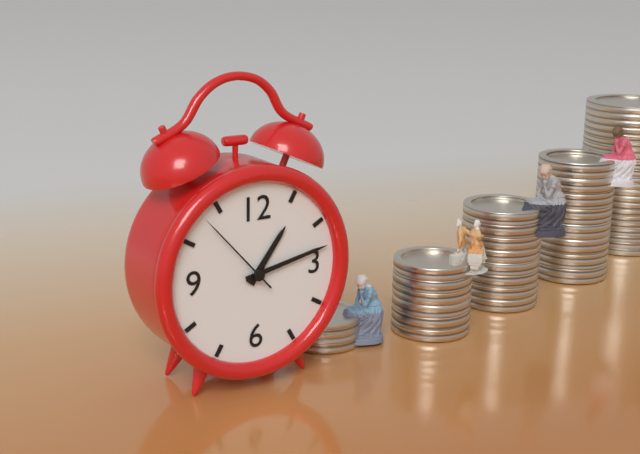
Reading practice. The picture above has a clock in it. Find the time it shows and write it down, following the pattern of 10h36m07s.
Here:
1h13m53s
